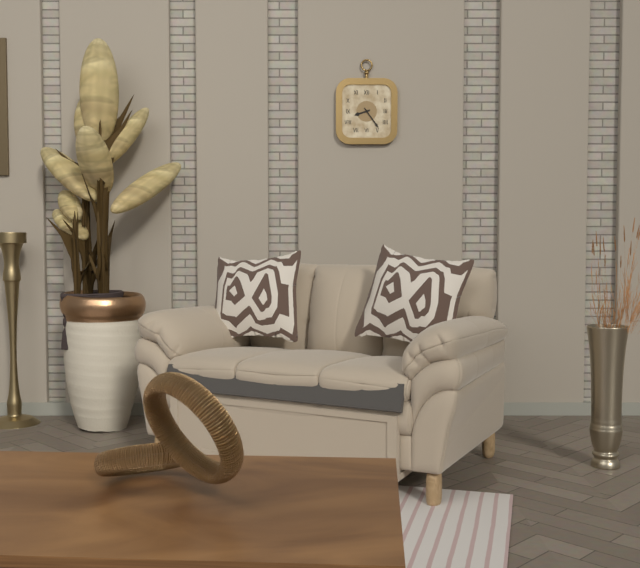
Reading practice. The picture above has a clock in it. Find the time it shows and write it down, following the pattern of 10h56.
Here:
8h24
